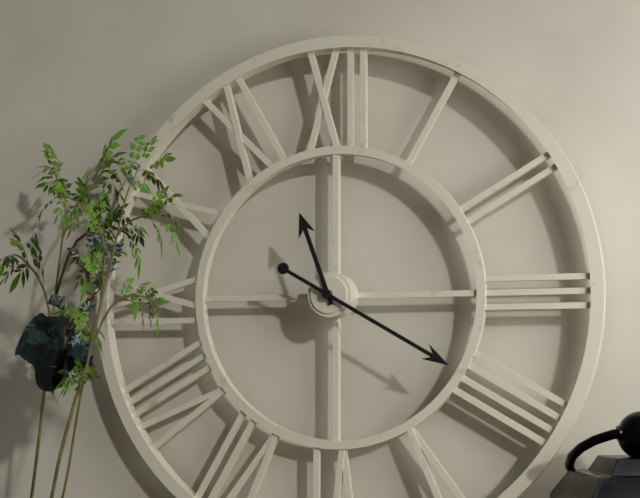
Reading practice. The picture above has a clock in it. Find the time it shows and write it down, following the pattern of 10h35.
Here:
11h20
